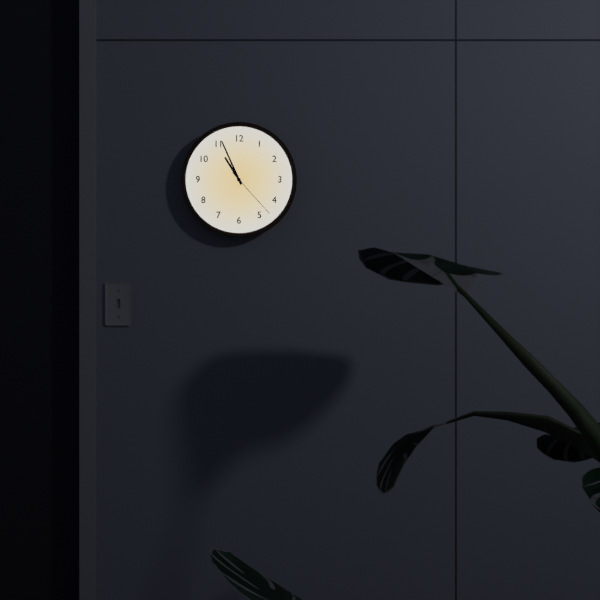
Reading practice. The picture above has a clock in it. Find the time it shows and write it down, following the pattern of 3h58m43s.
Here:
10h56m23s
